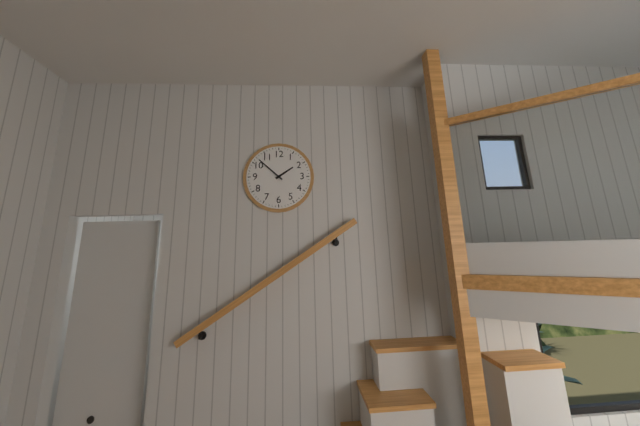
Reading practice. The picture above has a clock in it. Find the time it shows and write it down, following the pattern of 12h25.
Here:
1h52
